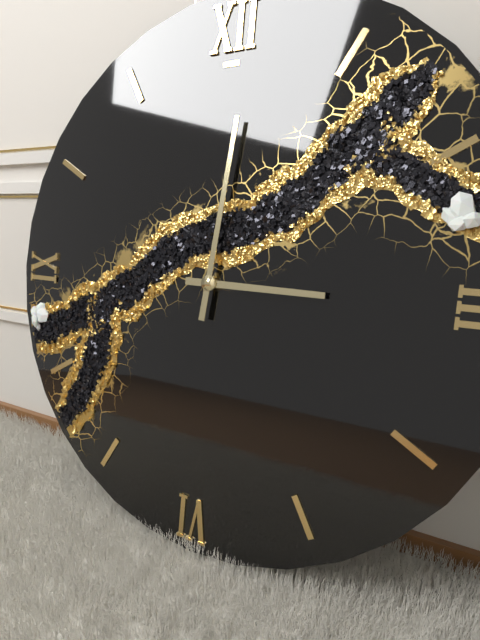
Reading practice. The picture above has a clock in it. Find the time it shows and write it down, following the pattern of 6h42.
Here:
3h01
